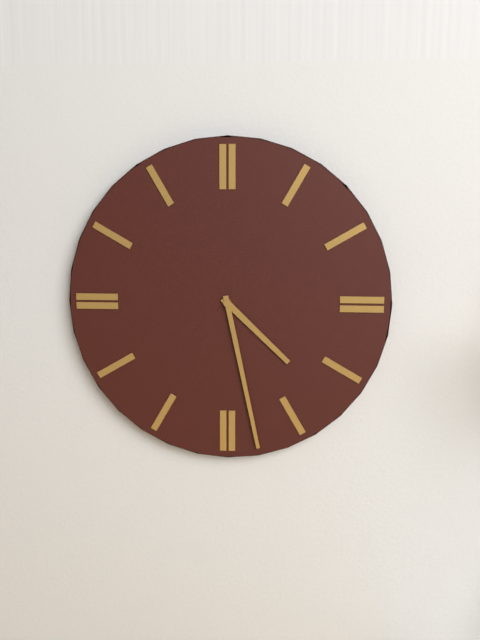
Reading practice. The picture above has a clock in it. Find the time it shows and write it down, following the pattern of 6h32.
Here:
4h28
